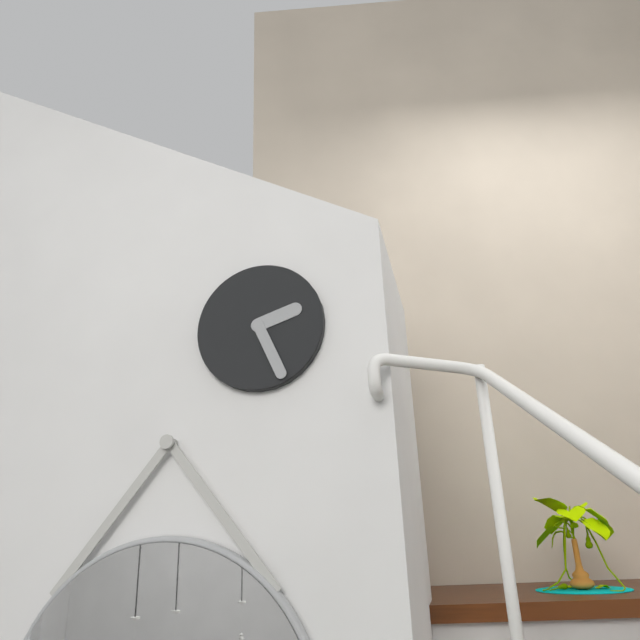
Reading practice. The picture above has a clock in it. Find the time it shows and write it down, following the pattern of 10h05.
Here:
2h26
